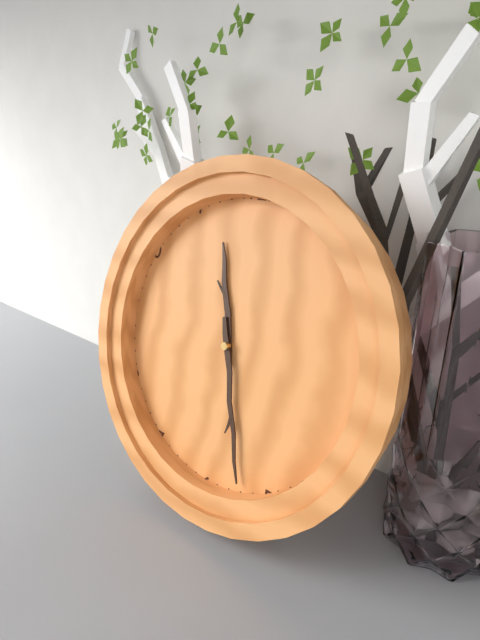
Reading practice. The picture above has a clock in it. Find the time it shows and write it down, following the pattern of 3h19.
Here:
11h27
